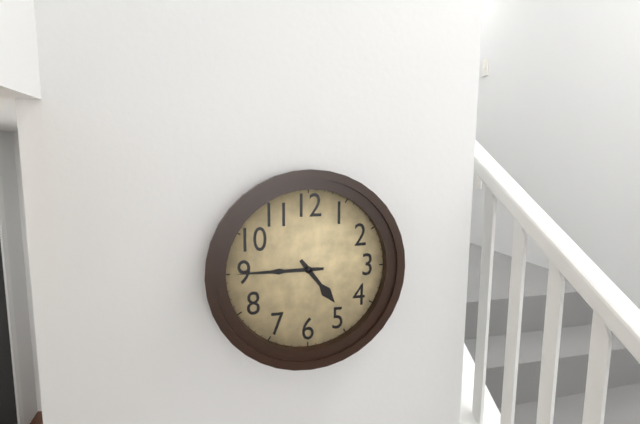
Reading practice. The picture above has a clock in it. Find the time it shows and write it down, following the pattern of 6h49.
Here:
4h45
